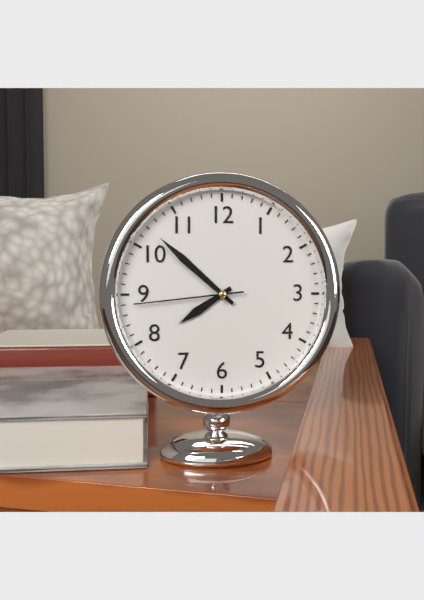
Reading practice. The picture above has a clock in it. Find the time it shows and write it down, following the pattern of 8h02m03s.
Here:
7h52m44s
